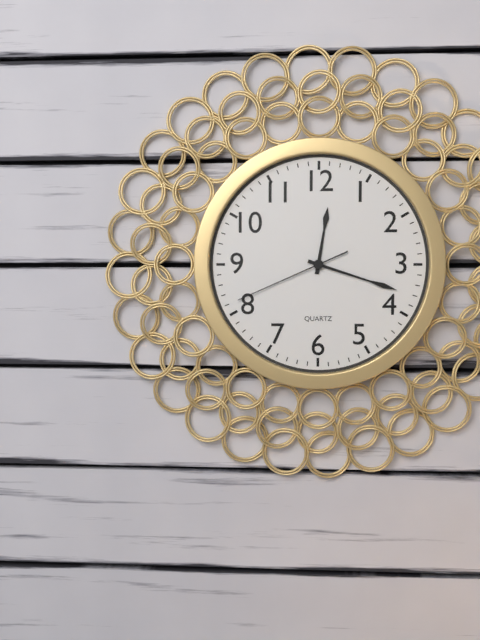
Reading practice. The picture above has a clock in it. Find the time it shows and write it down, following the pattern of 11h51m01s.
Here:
12h18m41s
